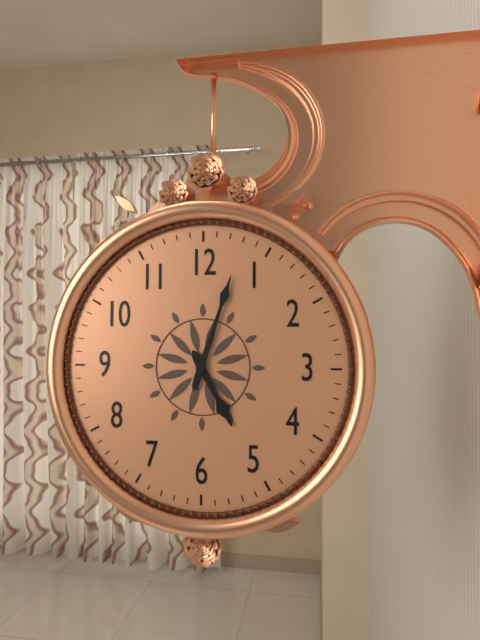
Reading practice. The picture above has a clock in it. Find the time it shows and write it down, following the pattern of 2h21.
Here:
5h03
